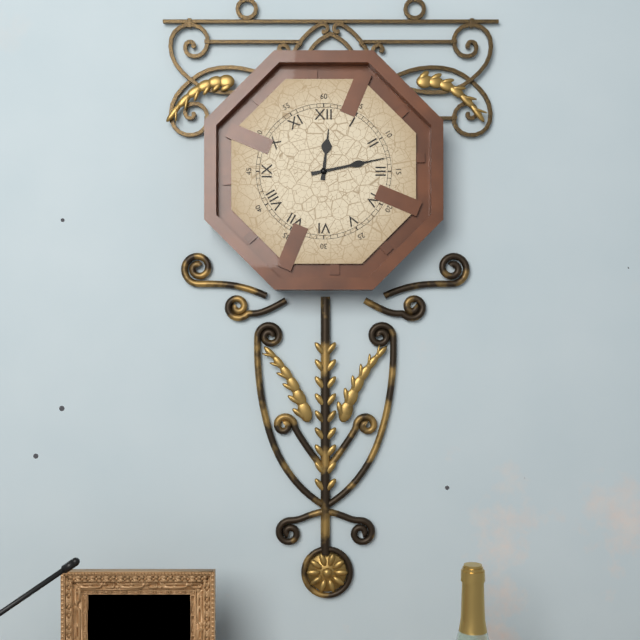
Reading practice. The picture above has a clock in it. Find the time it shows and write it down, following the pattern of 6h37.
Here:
12h13
